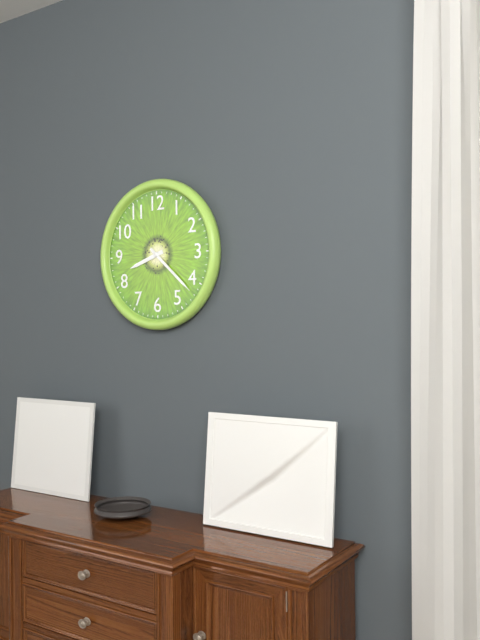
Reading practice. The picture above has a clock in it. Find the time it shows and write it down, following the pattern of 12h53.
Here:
8h22
